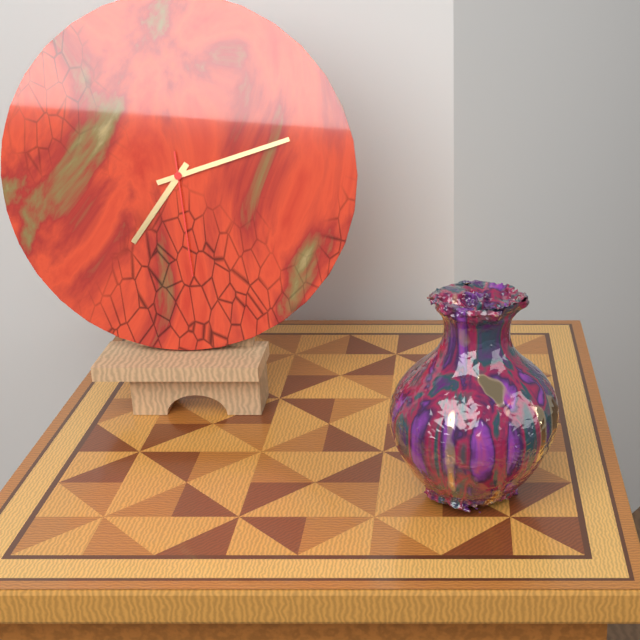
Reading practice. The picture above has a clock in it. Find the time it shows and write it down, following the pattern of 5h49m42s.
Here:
7h12m29s
